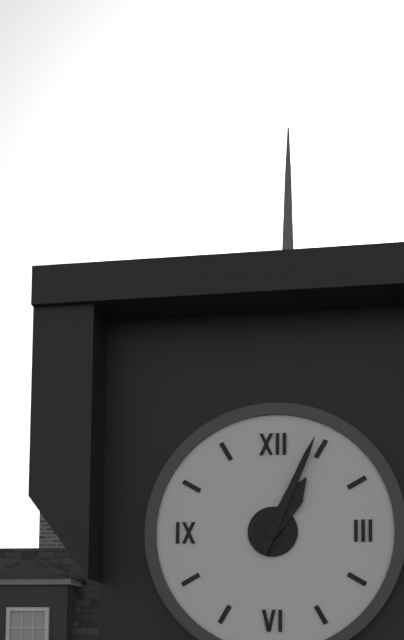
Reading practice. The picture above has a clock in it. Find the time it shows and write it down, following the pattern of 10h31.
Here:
1h04
